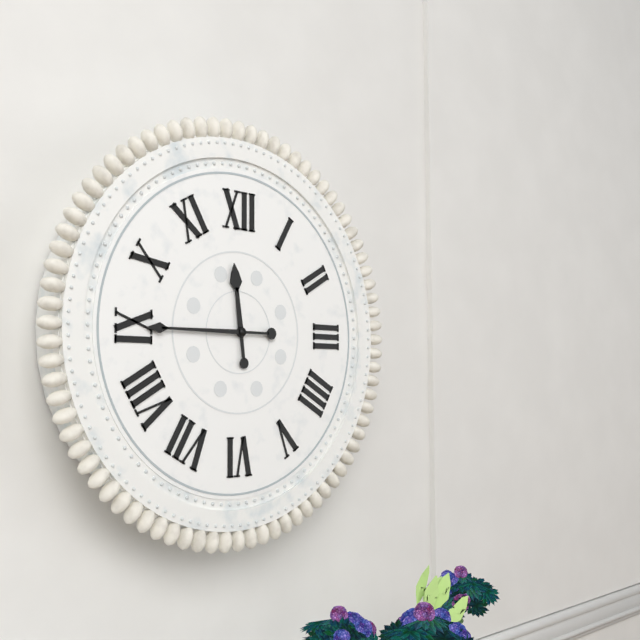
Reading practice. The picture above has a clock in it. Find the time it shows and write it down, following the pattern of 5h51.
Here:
11h45
